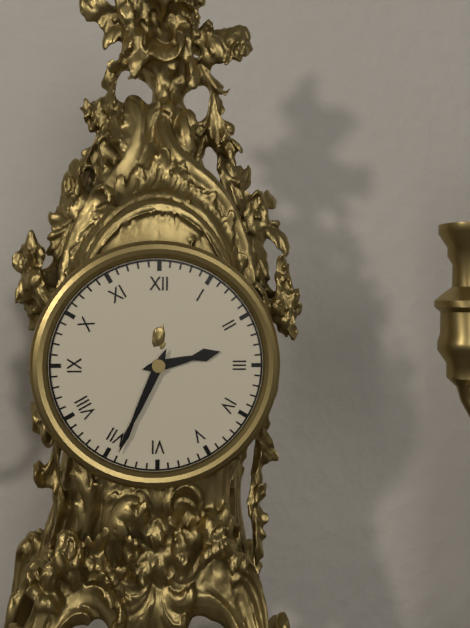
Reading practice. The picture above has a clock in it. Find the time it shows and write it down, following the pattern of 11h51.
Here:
2h34
